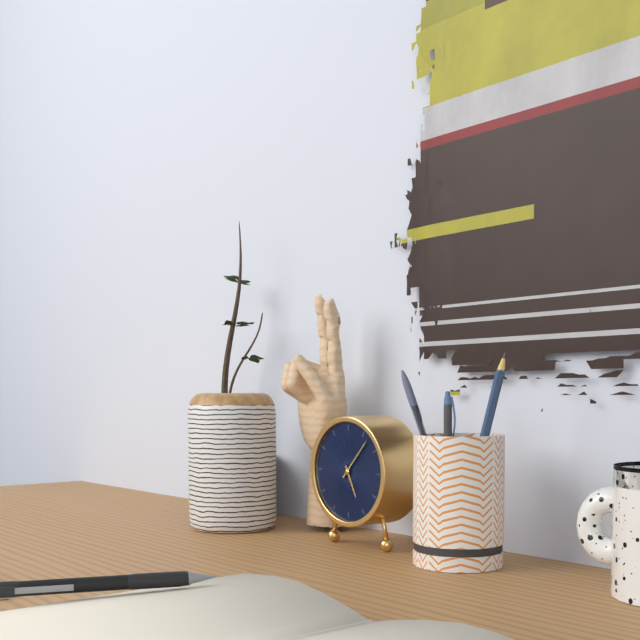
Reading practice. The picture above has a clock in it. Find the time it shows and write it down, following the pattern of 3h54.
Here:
5h07
